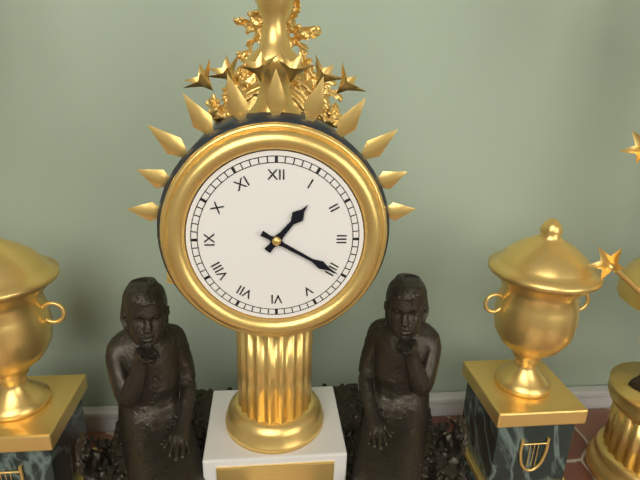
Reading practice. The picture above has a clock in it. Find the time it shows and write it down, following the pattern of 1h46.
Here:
1h20
